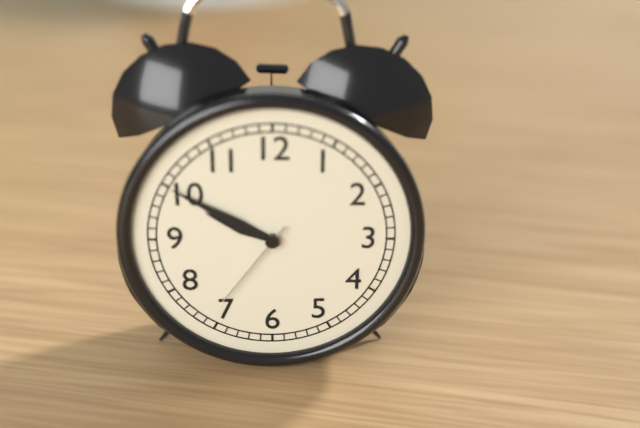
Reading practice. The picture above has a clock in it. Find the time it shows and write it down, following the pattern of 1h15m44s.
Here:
9h50m36s
